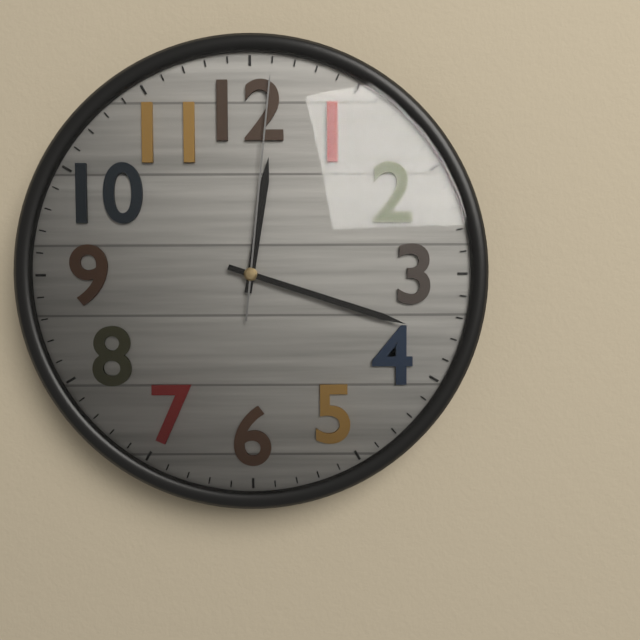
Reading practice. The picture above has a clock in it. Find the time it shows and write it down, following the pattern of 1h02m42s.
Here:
12h18m01s
